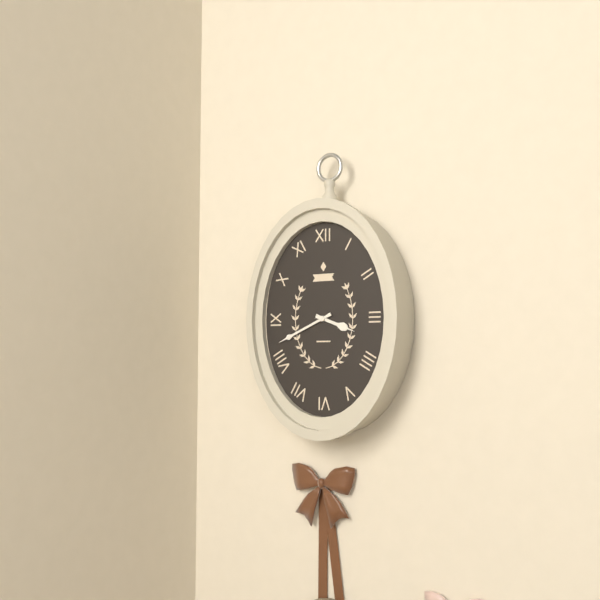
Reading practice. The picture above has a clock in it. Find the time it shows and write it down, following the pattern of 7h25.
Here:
3h41
